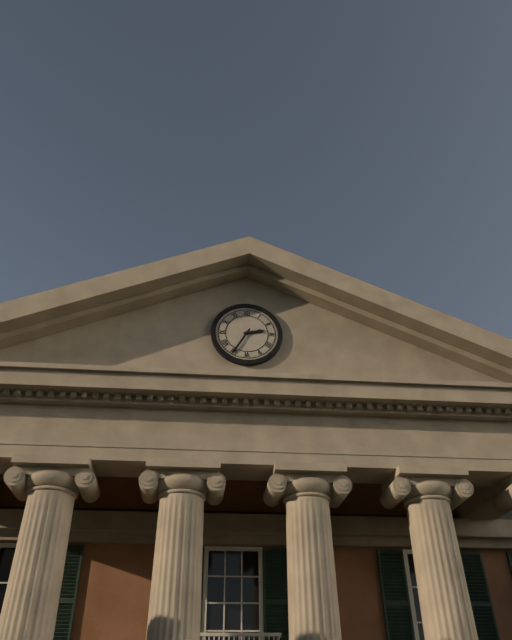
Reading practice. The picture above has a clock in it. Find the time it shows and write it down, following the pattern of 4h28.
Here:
2h35
